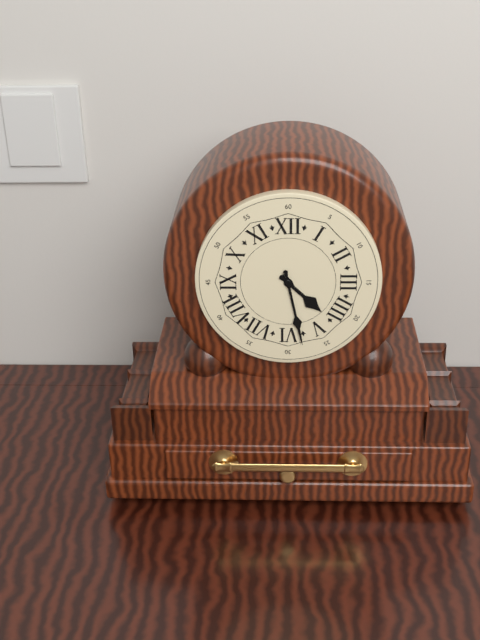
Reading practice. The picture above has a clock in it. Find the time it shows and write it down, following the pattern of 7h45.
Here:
4h28
